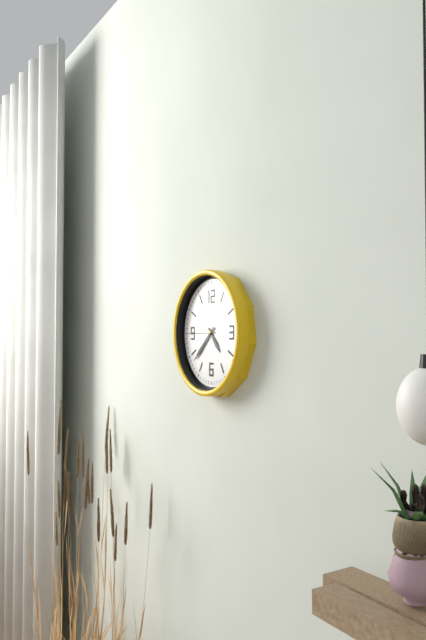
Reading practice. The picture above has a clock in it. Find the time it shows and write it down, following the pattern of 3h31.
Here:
4h38
